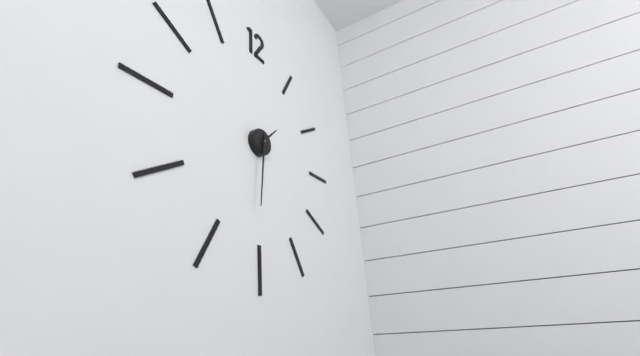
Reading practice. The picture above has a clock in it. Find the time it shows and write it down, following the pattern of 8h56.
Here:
1h31
